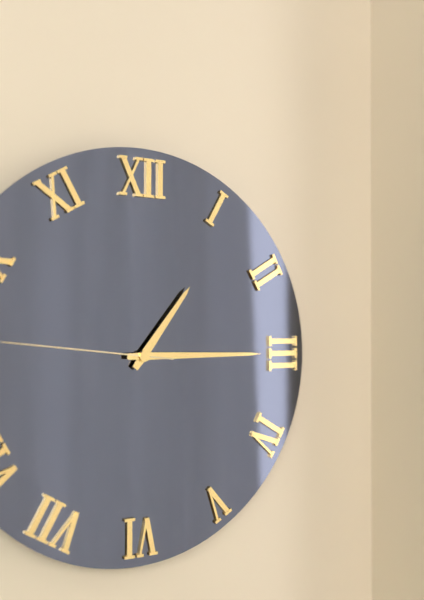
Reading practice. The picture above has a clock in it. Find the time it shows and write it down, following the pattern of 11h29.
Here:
1h15
